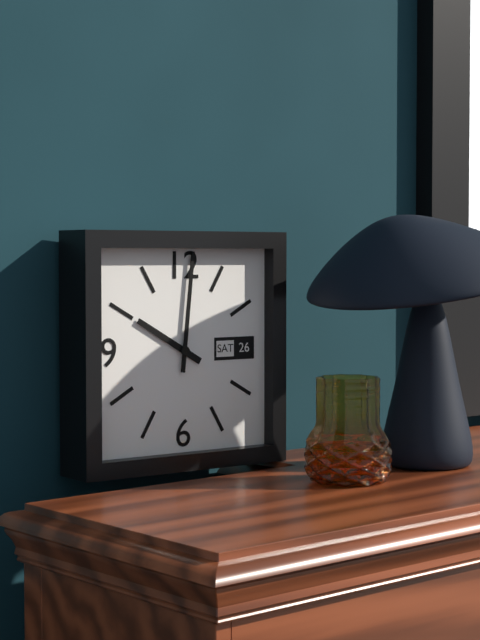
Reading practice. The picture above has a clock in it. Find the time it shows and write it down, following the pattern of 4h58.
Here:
10h01
